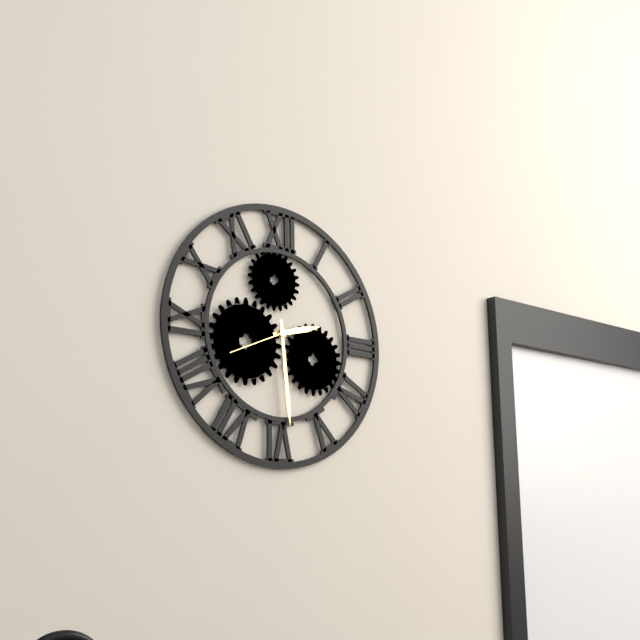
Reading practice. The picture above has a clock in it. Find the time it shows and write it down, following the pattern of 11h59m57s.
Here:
2h29m41s
